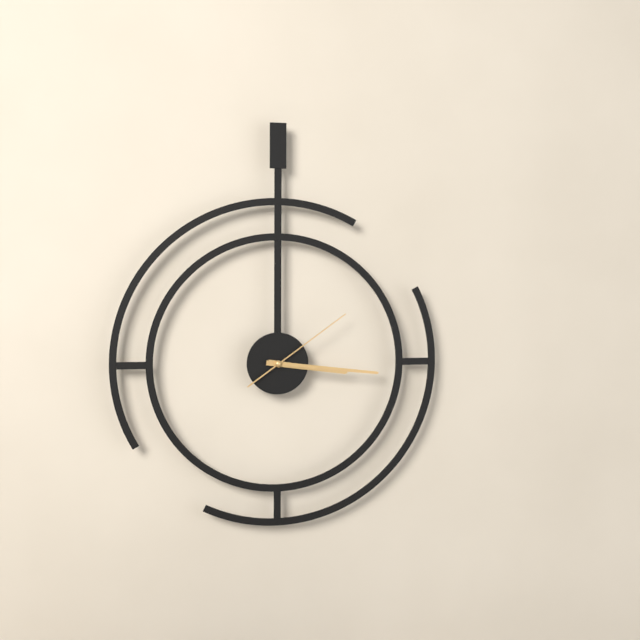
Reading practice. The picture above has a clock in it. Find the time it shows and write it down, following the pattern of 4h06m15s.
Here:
3h16m09s
